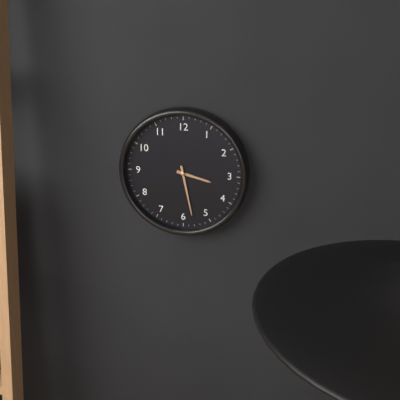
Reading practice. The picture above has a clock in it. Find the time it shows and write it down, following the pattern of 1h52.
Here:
3h28
